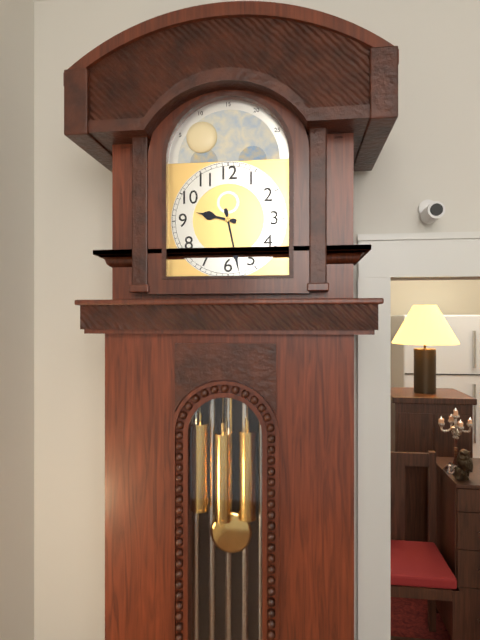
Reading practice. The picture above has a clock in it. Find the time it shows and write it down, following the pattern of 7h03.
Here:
9h28
